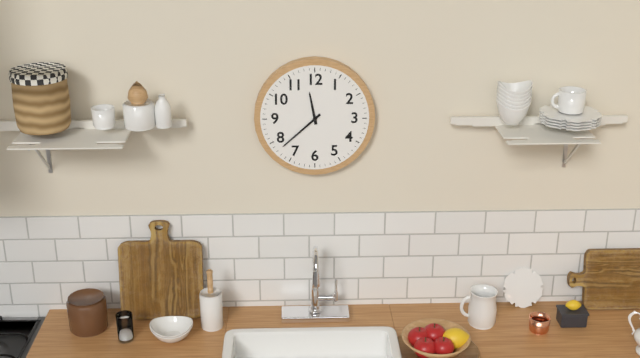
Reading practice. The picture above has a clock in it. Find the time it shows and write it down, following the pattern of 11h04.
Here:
11h38
